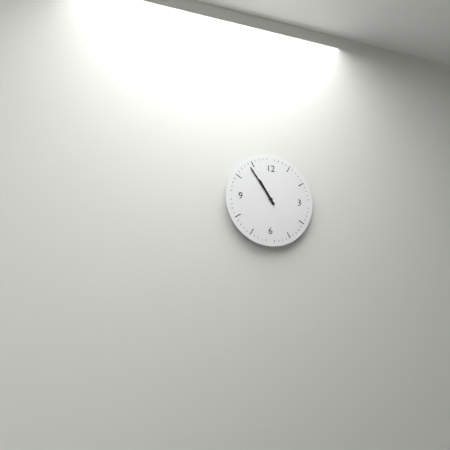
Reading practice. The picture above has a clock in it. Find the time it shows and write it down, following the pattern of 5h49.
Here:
10h54
